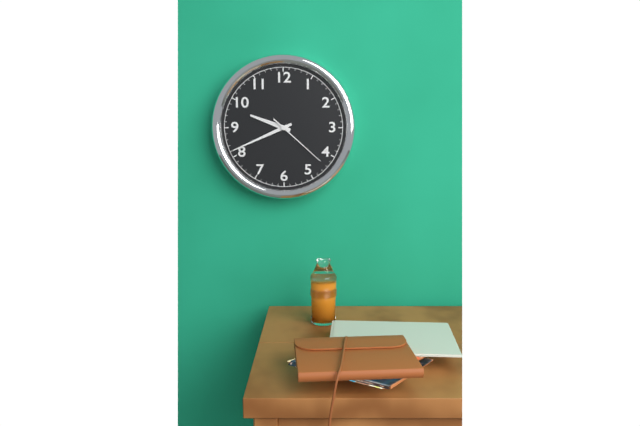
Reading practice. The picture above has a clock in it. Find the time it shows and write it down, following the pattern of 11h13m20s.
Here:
9h41m22s
